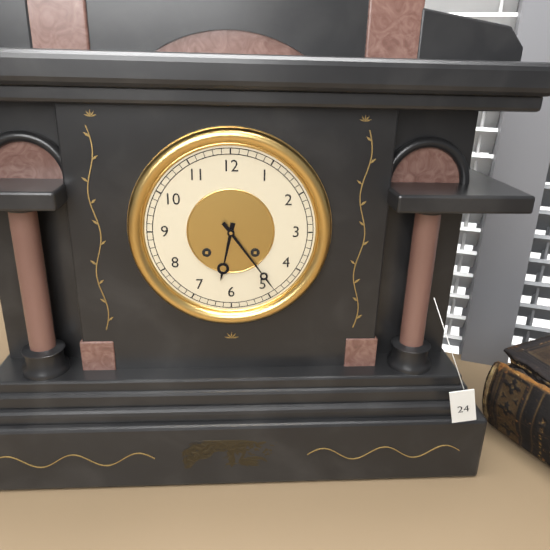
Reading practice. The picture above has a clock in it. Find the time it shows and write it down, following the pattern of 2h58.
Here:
6h24
